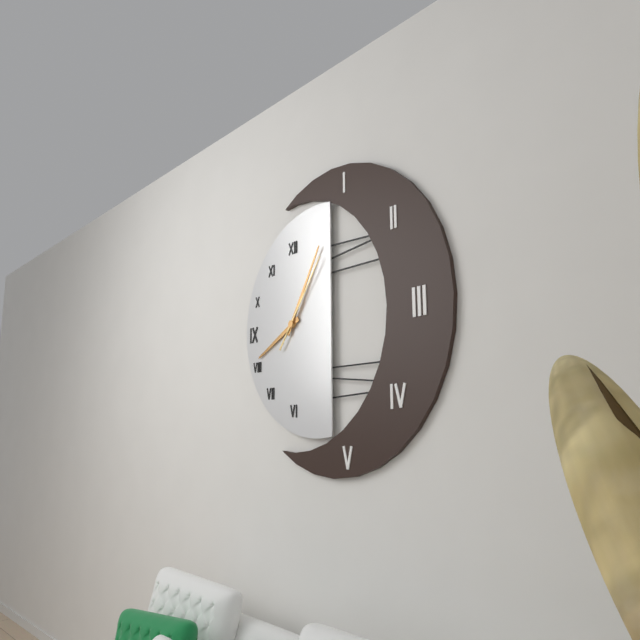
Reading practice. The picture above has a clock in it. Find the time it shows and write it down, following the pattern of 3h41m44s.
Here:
8h05m06s
